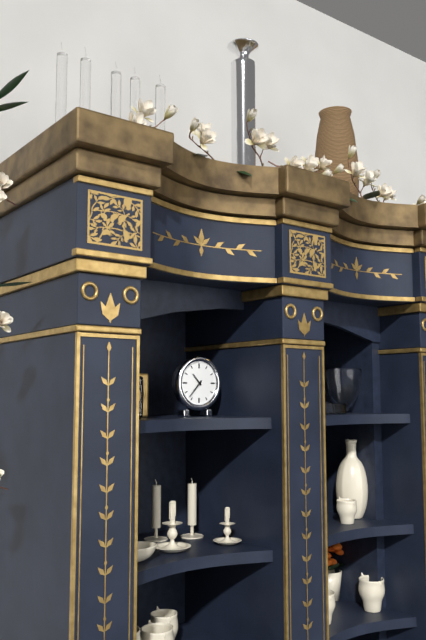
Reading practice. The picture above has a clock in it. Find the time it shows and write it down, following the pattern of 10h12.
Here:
10h37
